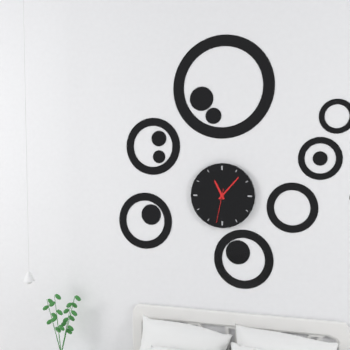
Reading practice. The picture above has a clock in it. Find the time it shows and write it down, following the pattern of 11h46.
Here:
11h07
